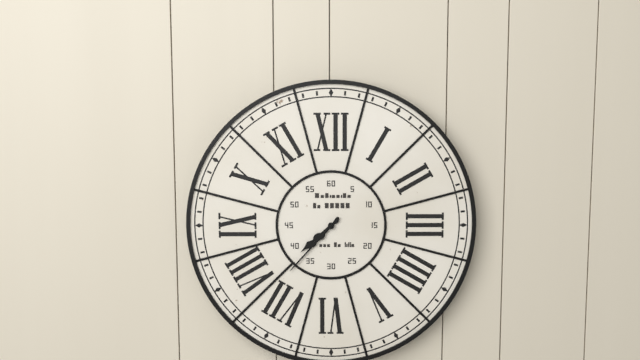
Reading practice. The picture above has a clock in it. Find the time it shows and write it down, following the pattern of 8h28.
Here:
7h37
